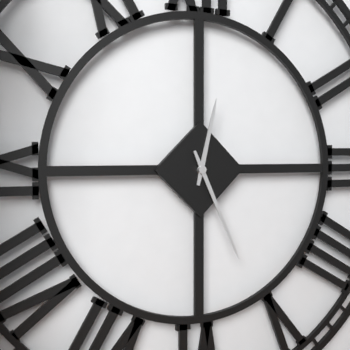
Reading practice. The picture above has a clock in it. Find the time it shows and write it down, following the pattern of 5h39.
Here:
12h26
